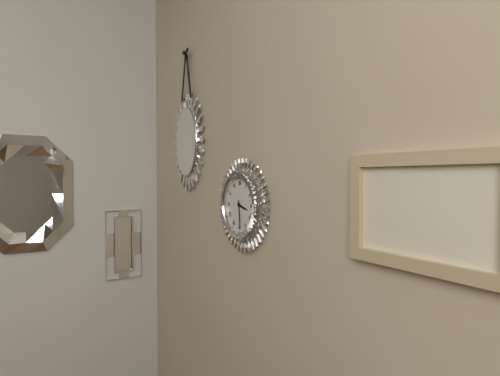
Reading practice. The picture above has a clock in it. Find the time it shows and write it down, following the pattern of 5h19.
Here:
3h29
